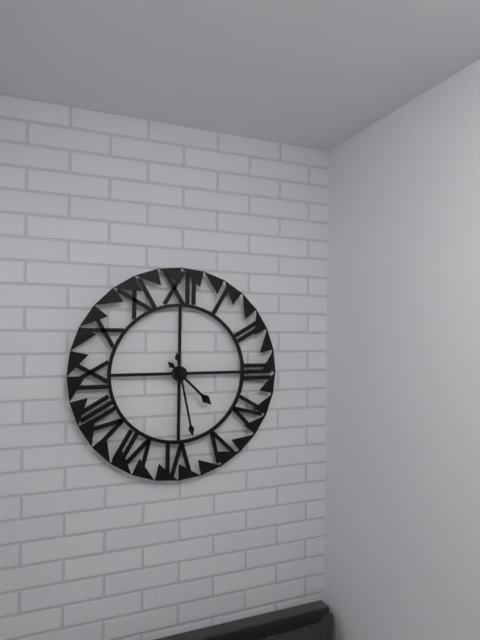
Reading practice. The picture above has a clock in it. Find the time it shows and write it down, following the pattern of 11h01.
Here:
4h28
